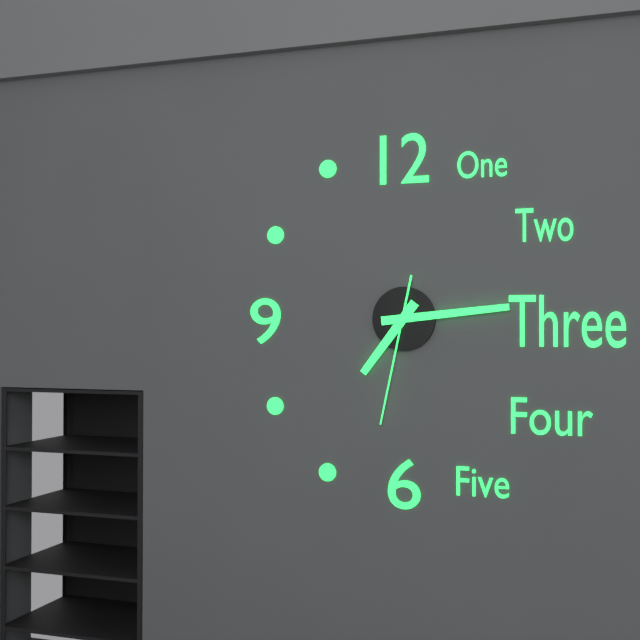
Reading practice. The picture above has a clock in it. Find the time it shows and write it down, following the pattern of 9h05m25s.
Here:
7h14m32s
